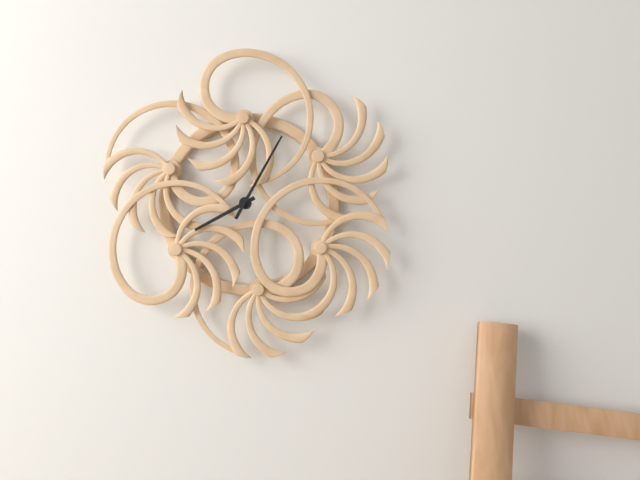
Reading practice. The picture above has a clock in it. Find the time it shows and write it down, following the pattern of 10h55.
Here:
8h05
